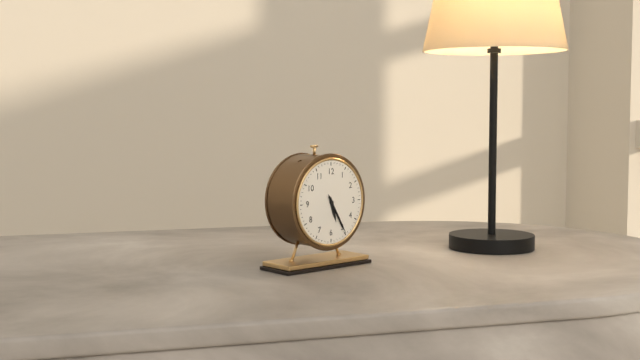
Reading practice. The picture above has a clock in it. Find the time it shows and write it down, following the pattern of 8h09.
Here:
5h25
